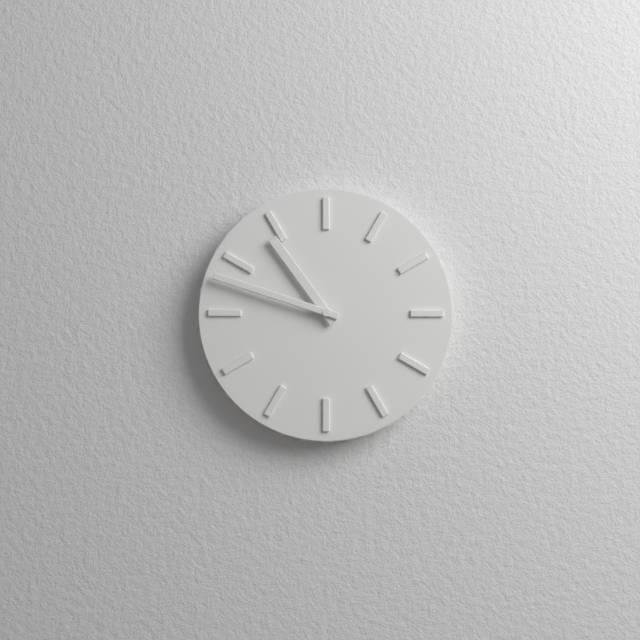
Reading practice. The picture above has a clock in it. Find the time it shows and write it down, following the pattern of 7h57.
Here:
10h48
